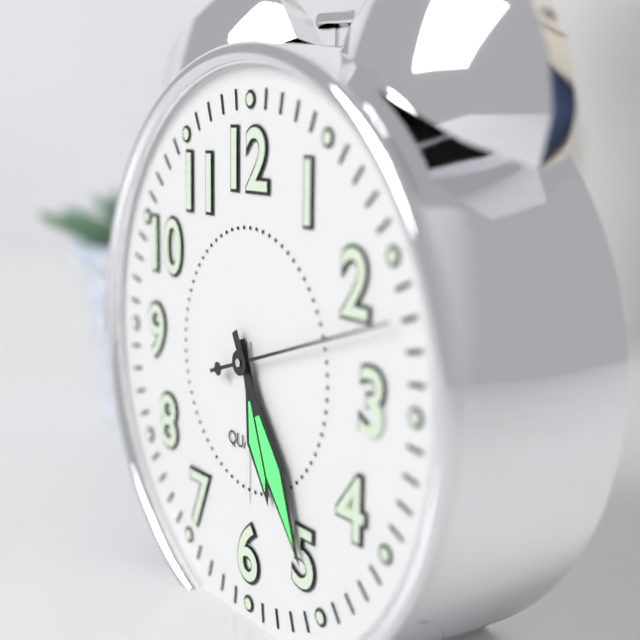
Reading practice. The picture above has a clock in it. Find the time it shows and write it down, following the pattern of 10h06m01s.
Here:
5h25m12s
